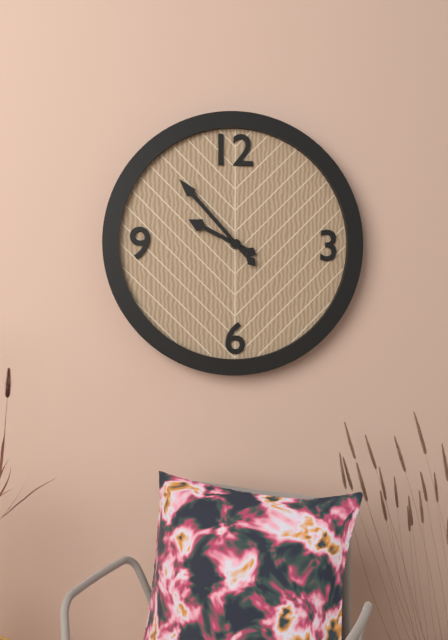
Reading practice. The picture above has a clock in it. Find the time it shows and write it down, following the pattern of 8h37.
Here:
9h53
